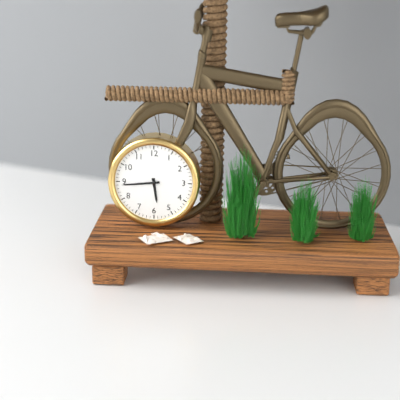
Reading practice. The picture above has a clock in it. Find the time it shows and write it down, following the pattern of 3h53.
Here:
5h44
